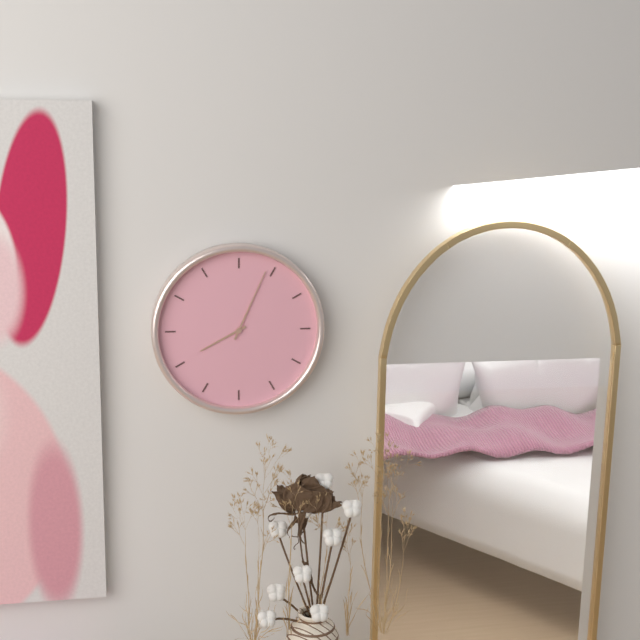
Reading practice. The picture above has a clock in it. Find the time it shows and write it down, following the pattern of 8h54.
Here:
8h04
